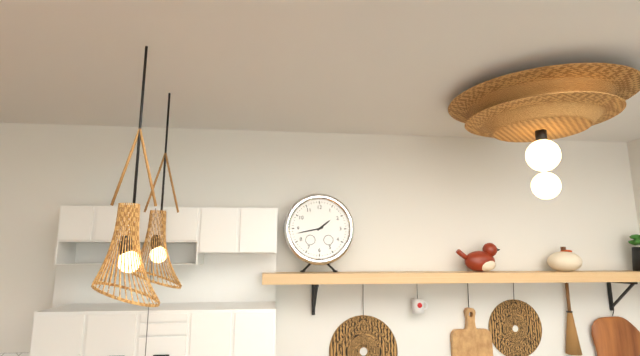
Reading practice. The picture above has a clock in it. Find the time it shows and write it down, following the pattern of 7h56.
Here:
1h43
